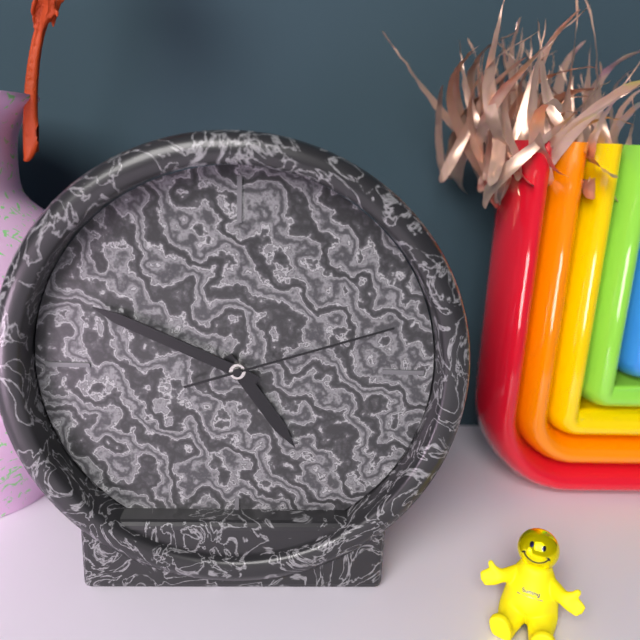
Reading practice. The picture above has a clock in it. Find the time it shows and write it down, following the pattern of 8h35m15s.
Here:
4h49m12s
